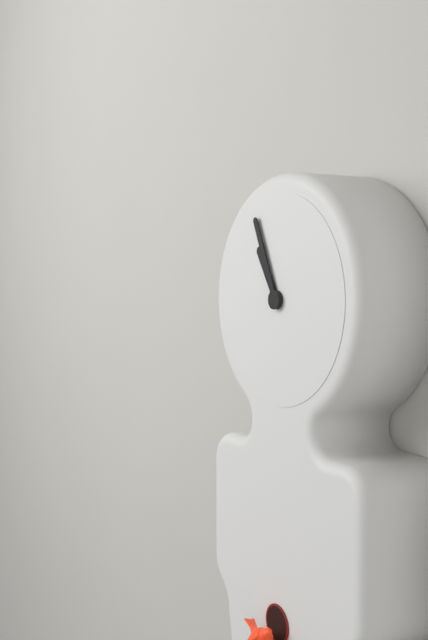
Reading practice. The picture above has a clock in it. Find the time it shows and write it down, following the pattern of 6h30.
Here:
10h56
